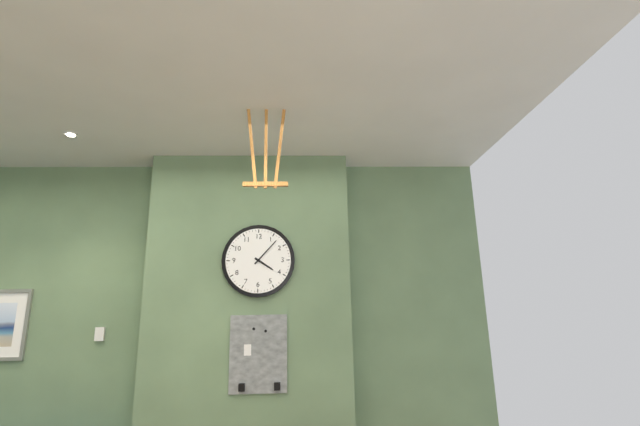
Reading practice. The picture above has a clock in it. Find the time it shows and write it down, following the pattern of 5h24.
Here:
4h07
